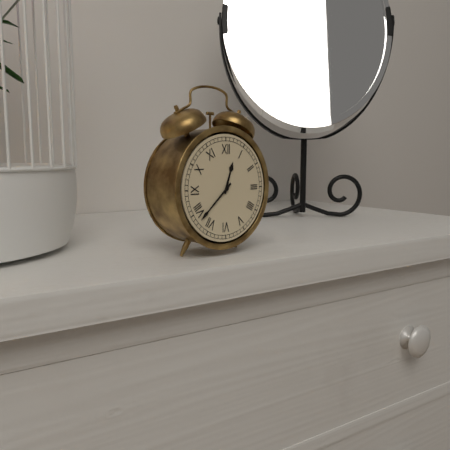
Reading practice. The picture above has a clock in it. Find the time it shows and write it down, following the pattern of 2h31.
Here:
12h38
